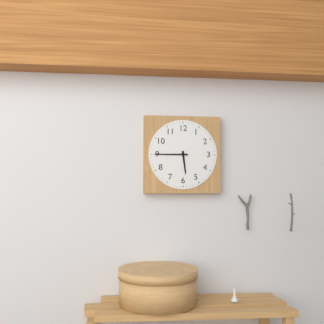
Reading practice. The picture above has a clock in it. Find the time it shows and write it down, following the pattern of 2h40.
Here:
5h45
